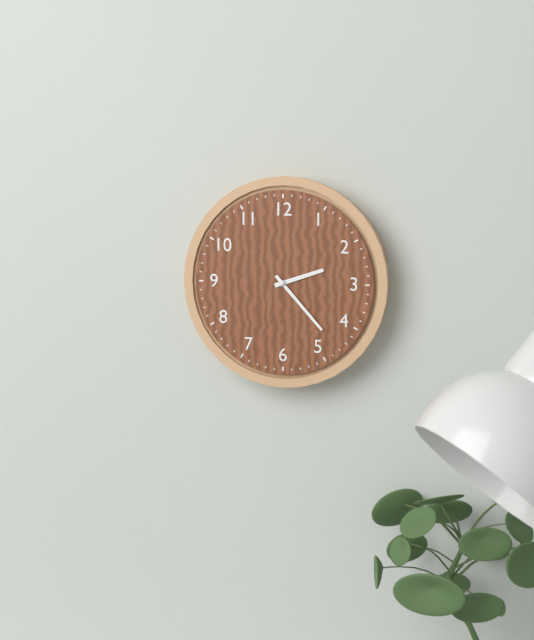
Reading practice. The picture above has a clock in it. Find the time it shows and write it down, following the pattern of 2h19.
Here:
2h23
